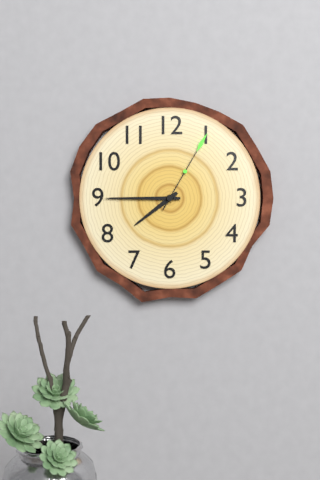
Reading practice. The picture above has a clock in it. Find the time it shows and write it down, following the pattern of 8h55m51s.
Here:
7h45m05s
